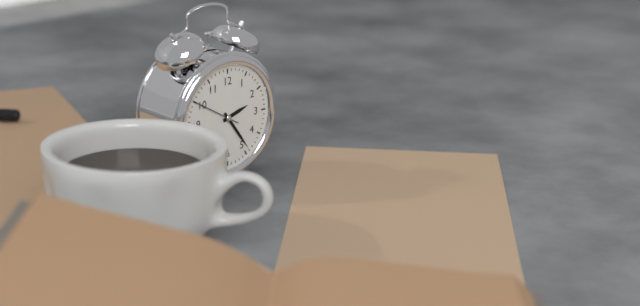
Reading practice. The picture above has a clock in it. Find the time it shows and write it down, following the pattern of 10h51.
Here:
2h24
